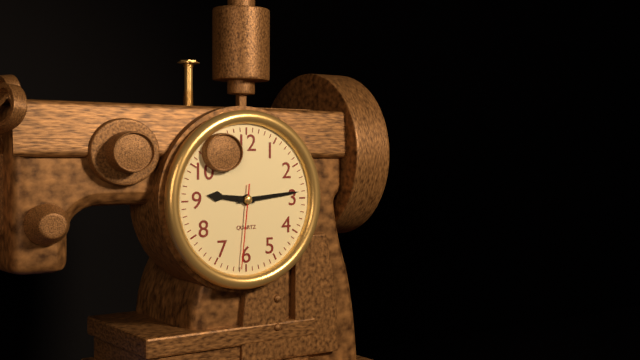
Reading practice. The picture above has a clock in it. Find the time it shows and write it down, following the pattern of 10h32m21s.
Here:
9h14m31s
